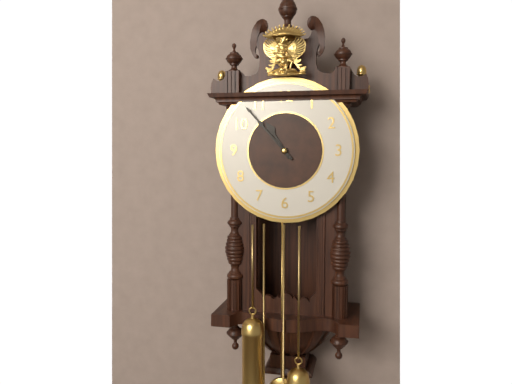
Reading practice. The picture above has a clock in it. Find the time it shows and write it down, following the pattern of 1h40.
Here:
10h53
